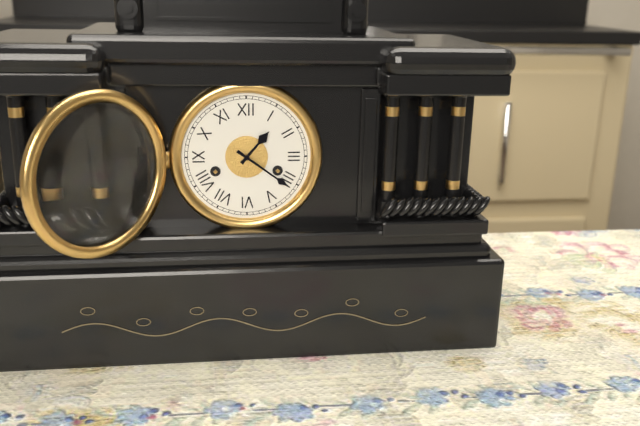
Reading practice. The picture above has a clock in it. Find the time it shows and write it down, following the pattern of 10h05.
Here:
1h21
